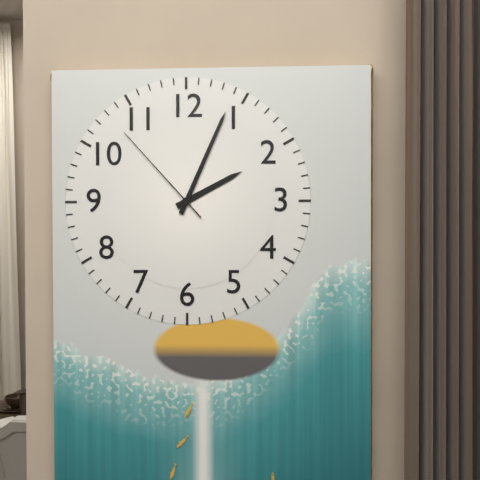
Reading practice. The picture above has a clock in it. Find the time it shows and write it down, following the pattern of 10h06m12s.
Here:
2h04m53s
